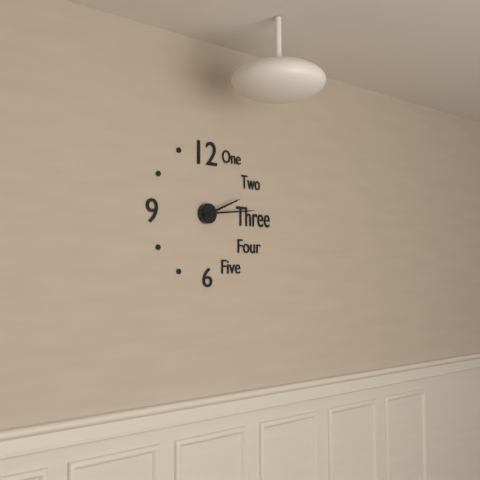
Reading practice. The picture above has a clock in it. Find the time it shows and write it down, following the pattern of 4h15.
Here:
2h14
